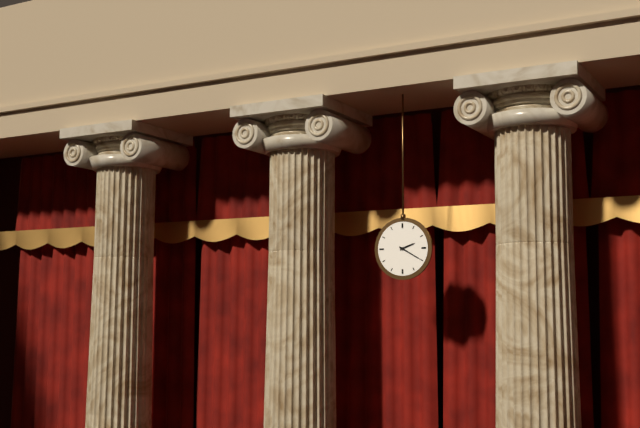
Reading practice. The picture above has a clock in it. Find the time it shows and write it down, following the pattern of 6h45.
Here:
2h20
